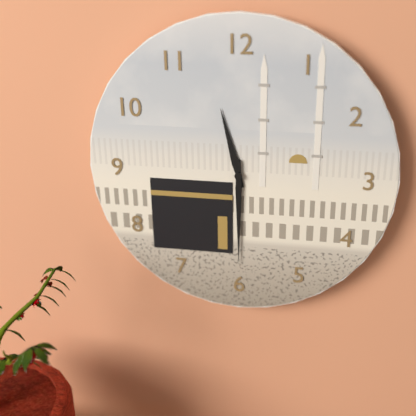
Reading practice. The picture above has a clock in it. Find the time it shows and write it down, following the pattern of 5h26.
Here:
11h30
